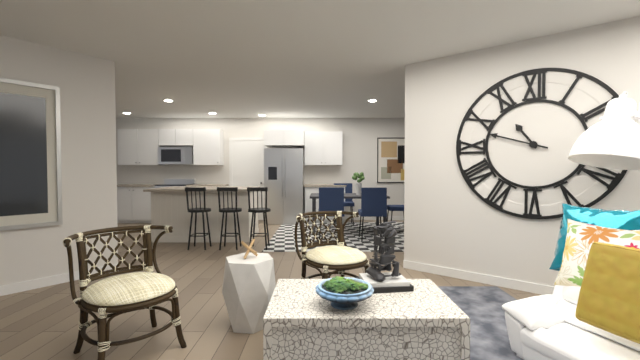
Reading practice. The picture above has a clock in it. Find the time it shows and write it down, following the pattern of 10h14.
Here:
10h48
